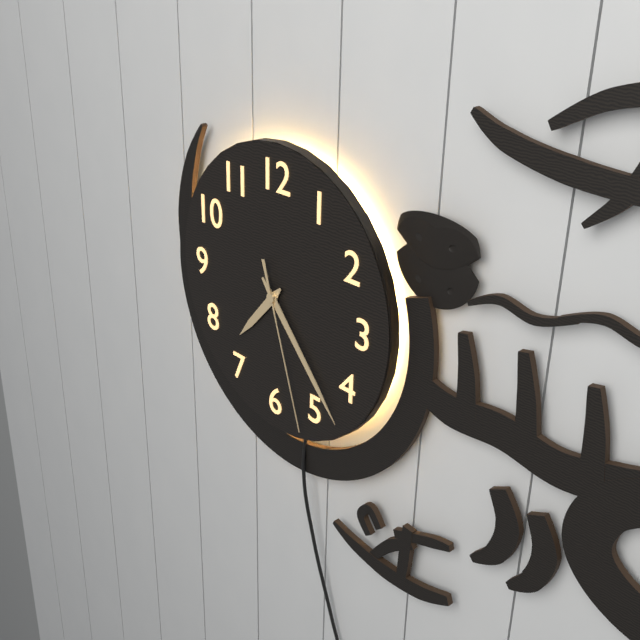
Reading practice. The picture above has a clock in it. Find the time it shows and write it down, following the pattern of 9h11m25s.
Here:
7h23m27s
